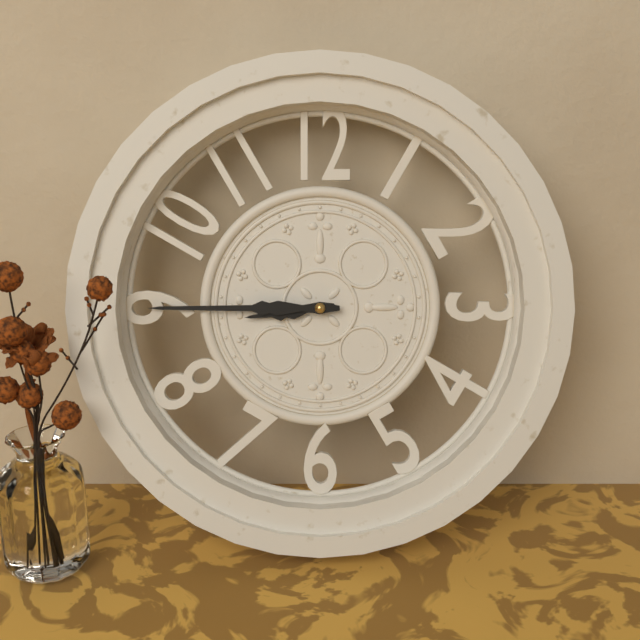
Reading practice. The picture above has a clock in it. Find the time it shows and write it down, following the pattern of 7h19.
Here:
8h45
